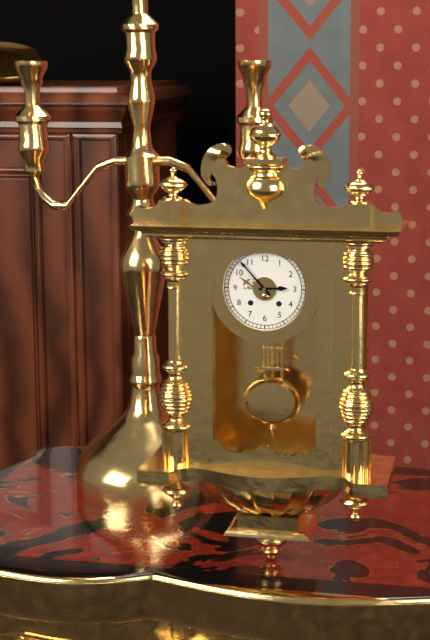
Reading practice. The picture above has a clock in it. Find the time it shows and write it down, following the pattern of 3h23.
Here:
2h53
